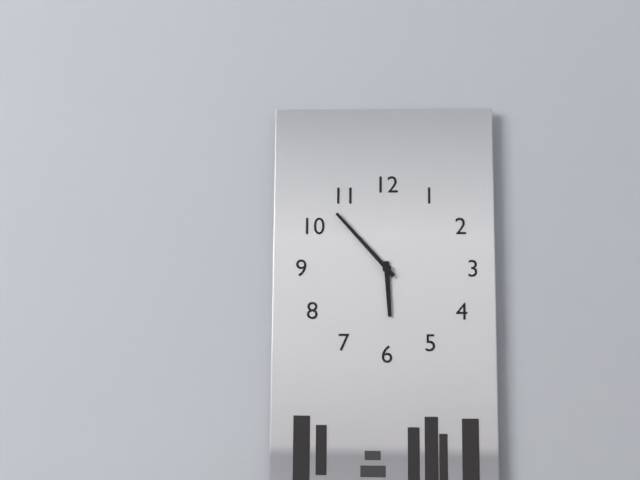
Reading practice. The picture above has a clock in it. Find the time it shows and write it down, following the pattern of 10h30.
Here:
5h53
